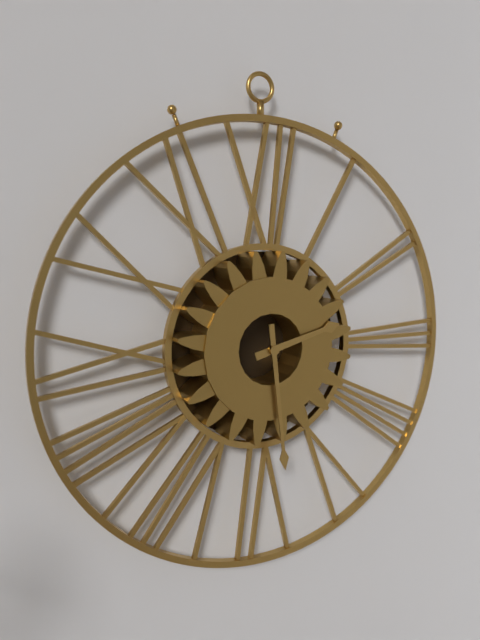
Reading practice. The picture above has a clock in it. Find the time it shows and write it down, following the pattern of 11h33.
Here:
2h29
